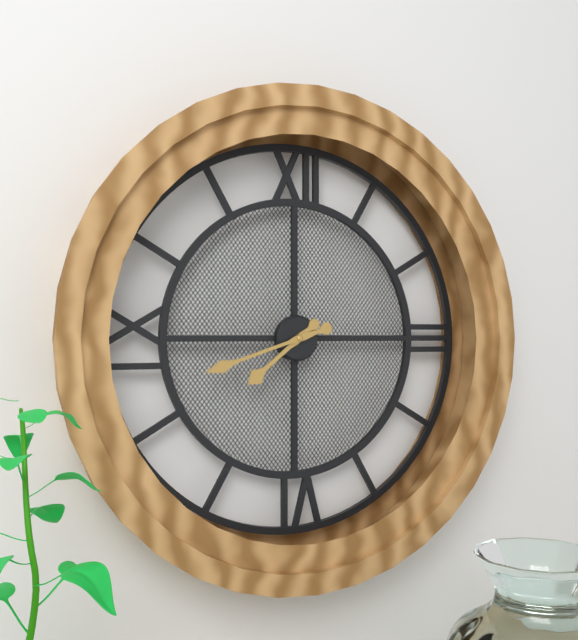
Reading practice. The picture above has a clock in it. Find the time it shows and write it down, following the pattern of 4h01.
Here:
7h42
